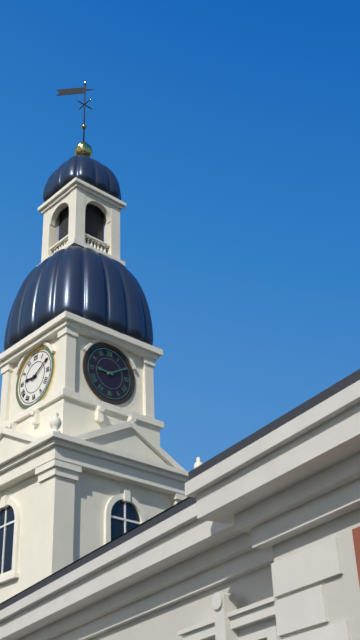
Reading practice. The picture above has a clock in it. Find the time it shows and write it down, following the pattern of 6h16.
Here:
9h10
